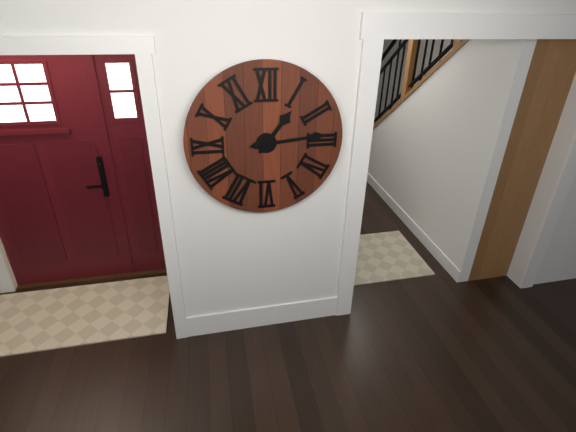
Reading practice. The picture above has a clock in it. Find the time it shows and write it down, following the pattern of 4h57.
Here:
1h14
